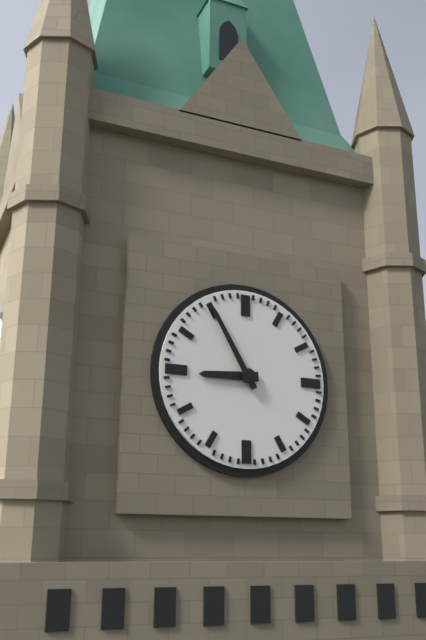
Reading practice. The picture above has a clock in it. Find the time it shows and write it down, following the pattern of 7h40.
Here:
8h55
